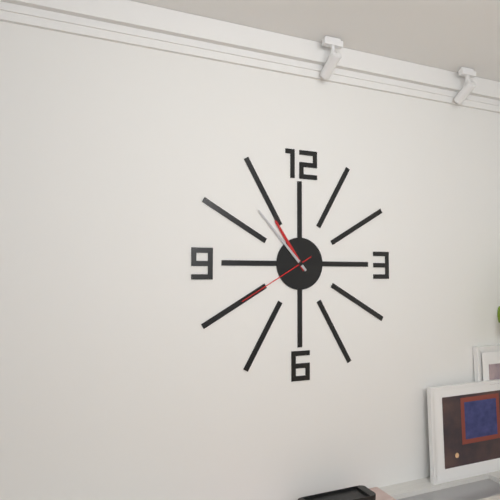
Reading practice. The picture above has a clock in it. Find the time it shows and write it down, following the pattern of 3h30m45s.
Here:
10h53m40s
